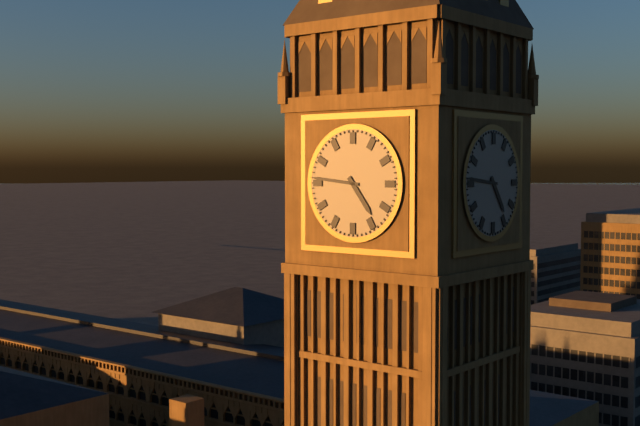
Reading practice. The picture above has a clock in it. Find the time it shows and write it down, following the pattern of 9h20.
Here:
4h46
